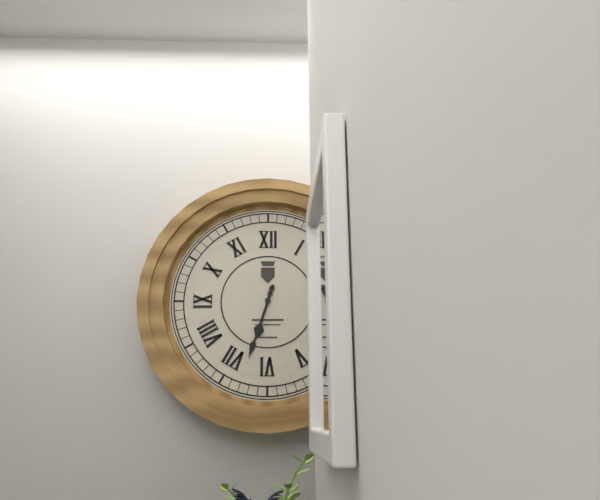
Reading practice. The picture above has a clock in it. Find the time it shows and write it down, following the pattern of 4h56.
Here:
6h33
